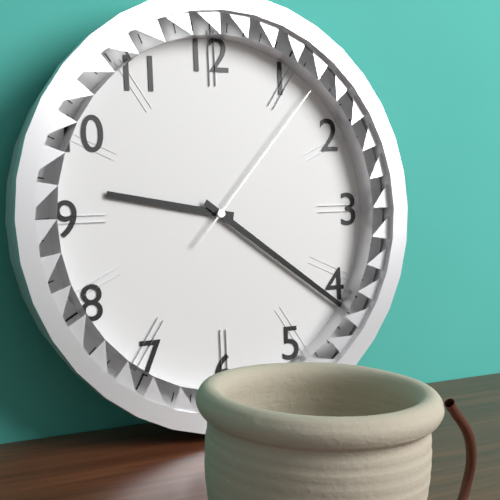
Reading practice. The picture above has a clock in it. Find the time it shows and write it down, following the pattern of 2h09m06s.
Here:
9h21m07s
